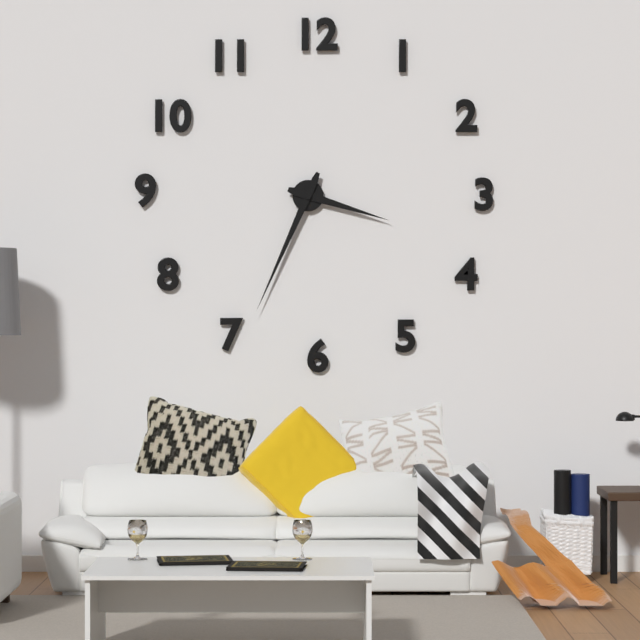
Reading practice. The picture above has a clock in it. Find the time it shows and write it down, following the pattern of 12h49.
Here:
3h34
